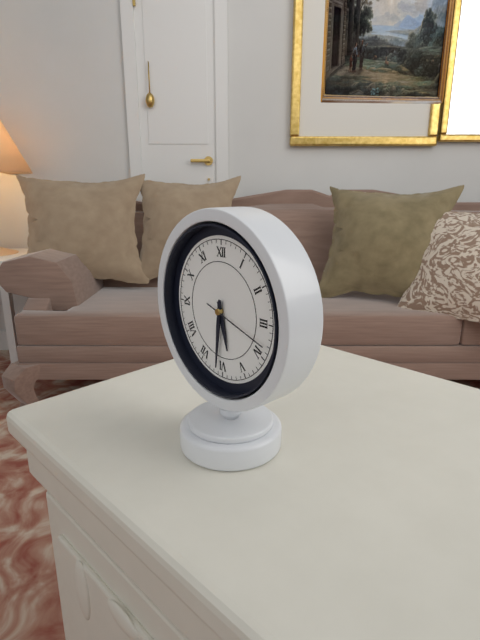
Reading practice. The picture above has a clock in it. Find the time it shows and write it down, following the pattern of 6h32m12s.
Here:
5h31m18s
